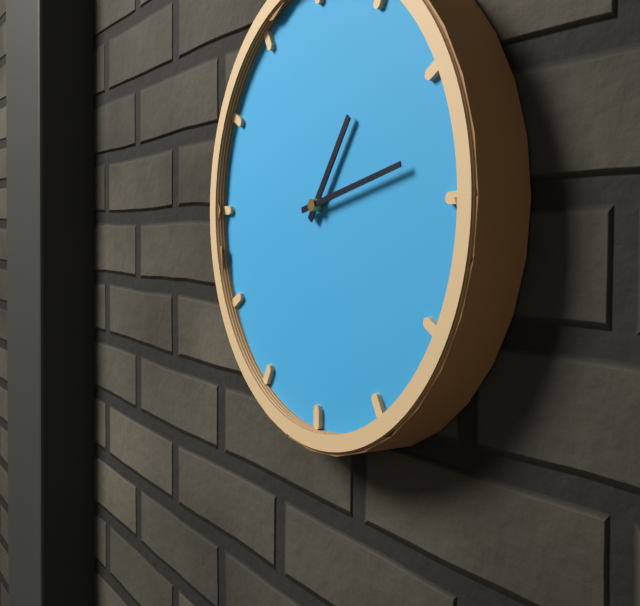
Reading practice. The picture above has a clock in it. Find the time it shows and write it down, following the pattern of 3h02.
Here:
1h13
